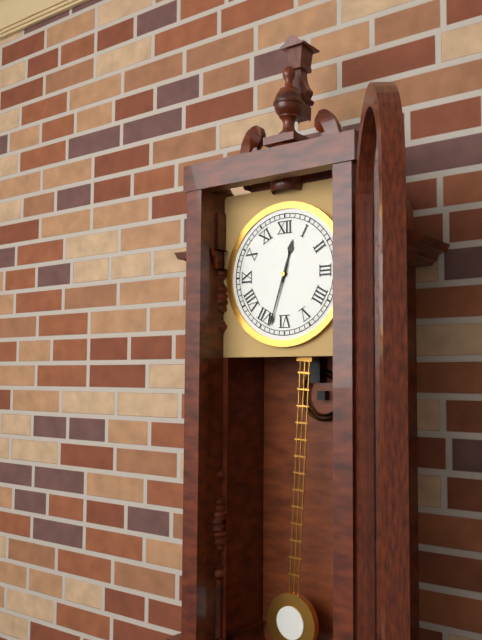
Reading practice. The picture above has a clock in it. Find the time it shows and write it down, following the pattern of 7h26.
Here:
12h33
